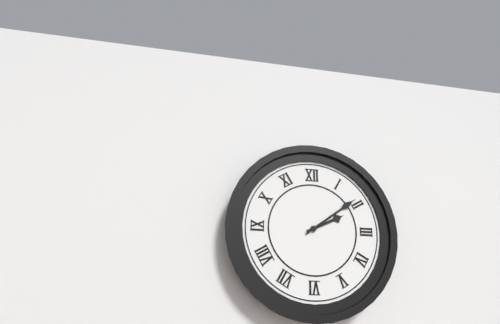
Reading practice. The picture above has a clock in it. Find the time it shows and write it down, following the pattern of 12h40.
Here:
2h09
